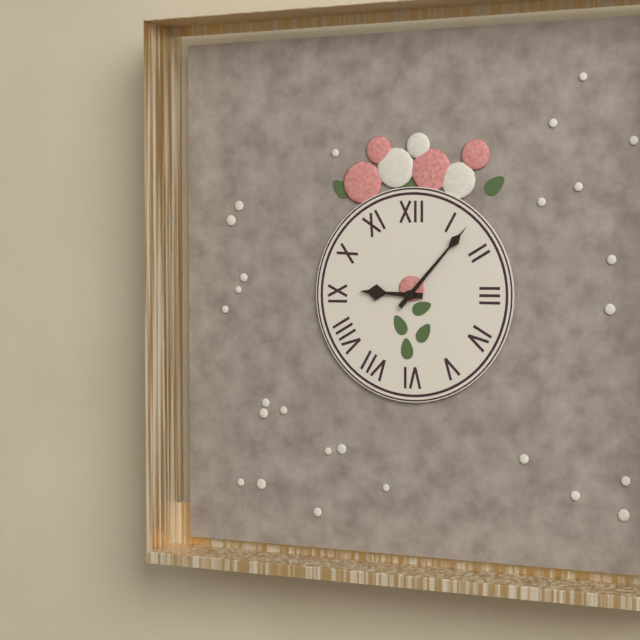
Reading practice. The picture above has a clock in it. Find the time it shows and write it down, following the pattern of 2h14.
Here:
9h07
